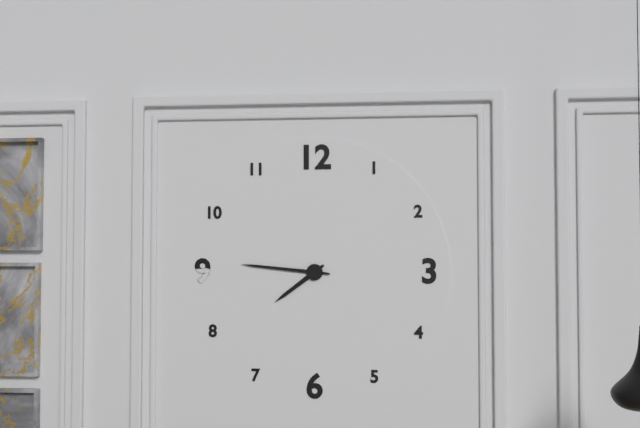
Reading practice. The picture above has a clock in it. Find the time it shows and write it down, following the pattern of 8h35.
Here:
7h46
